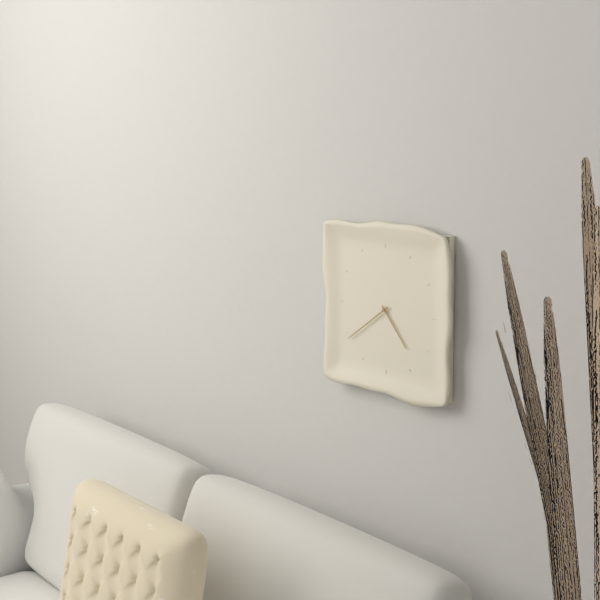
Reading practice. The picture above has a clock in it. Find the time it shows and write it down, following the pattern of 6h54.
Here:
4h39
